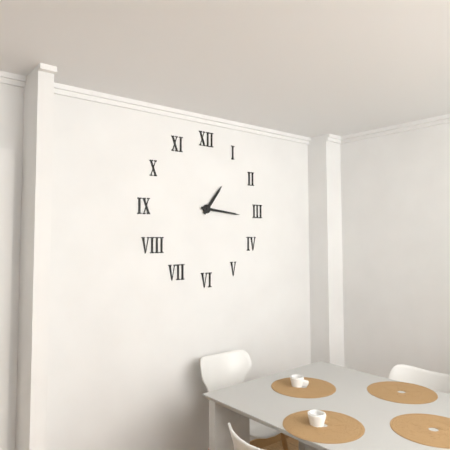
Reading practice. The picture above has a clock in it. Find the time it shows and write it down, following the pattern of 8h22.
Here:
1h16
